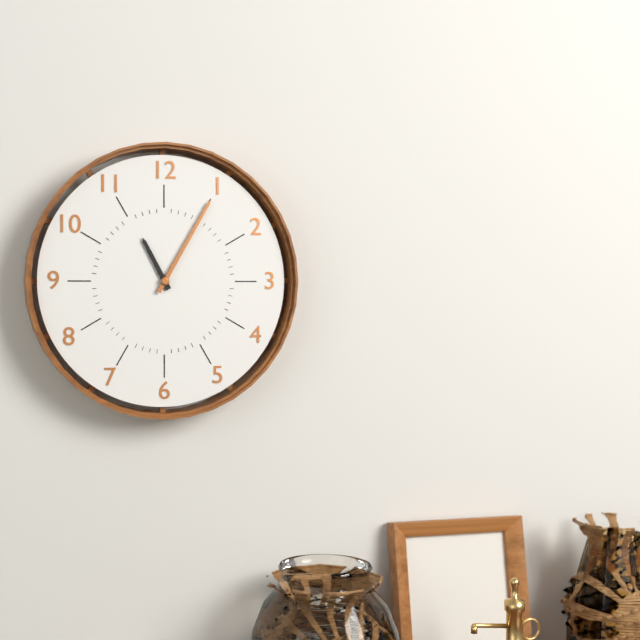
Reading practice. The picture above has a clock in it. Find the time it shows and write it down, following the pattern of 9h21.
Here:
11h05
